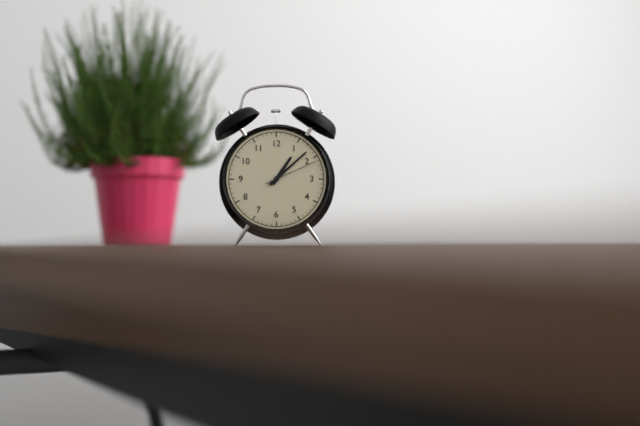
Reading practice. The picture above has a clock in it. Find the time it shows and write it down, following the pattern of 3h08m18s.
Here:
1h08m11s
